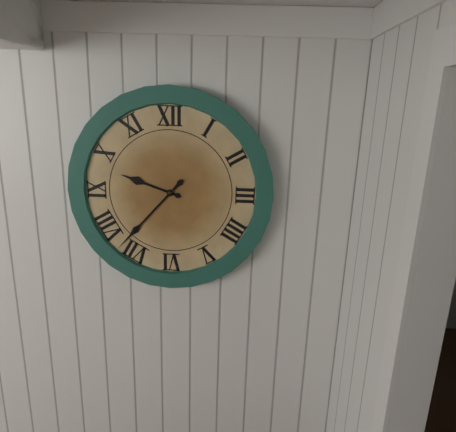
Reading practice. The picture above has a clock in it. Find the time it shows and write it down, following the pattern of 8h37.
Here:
9h37
